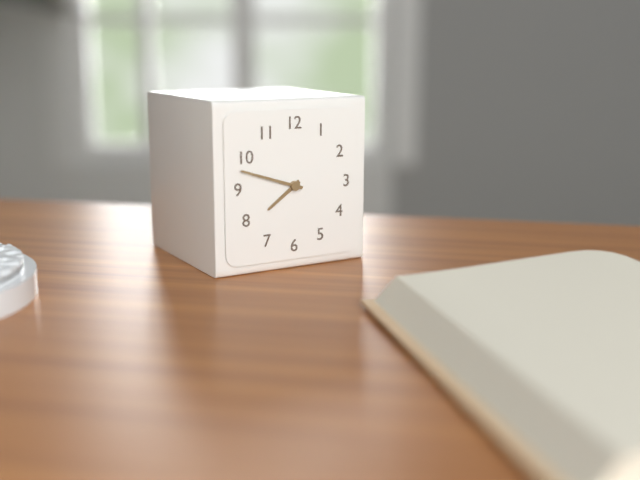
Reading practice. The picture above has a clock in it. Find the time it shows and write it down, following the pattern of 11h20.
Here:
7h48
